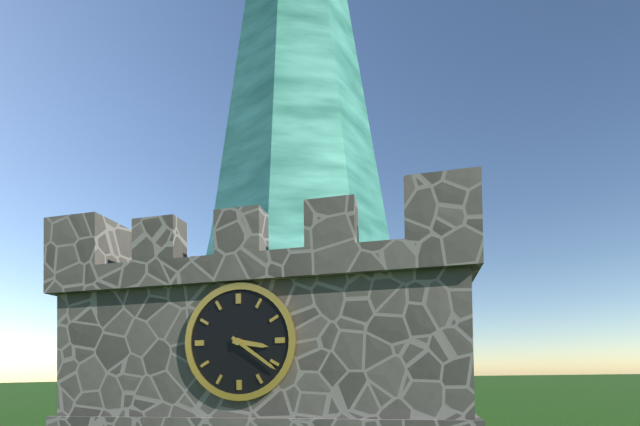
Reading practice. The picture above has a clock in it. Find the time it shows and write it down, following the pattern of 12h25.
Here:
3h21
